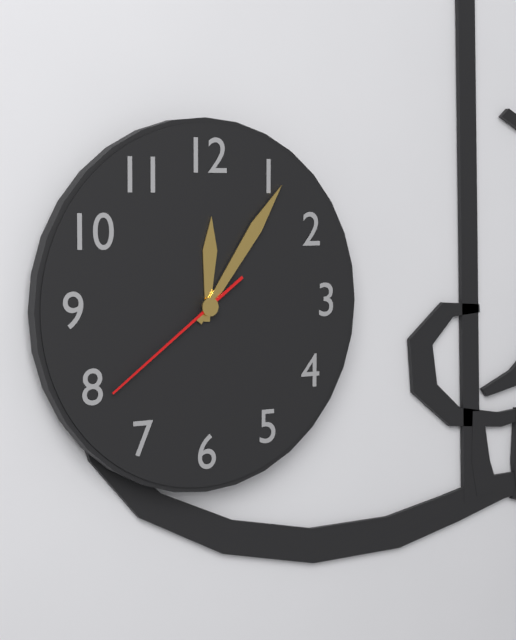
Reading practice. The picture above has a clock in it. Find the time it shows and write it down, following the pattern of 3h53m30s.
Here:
12h06m39s
